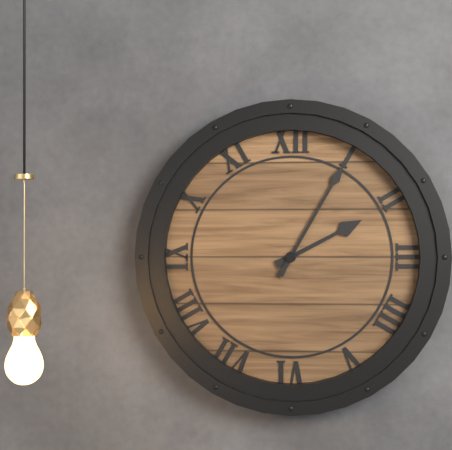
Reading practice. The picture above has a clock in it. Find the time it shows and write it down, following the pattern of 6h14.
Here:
2h05
